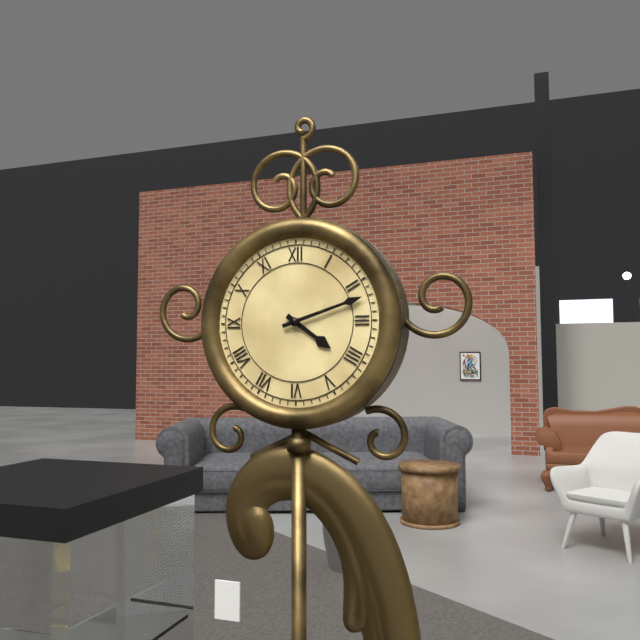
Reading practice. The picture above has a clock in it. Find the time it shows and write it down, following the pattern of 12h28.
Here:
4h12
